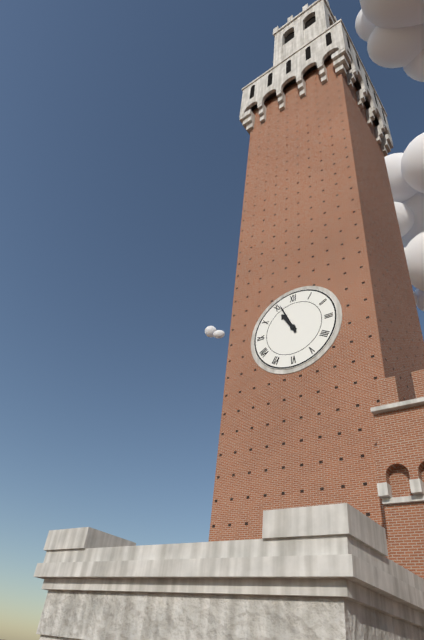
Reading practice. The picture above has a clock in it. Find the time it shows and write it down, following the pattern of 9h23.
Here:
10h56
